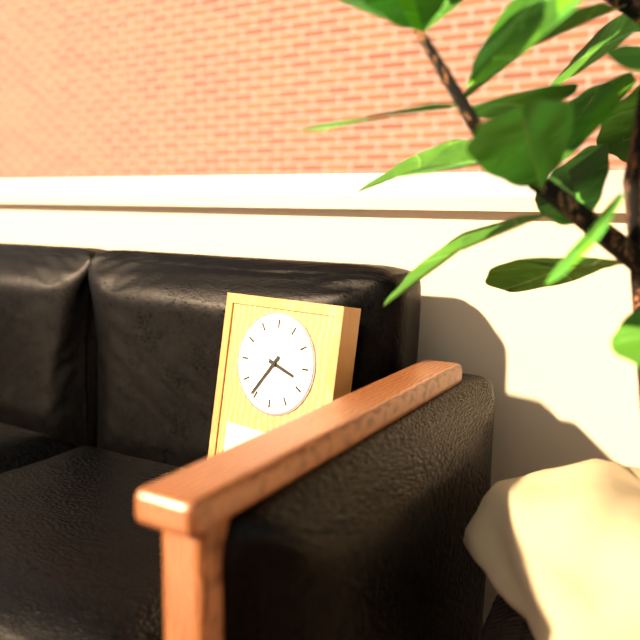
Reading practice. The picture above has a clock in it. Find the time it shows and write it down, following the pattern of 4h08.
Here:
3h36
